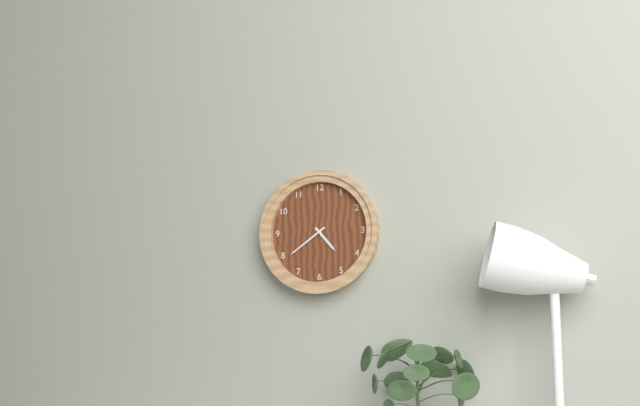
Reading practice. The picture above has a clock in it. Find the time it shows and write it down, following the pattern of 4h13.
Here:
4h39
